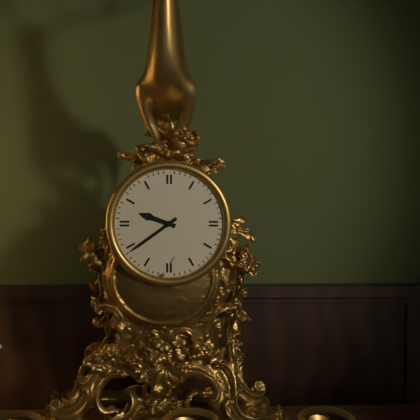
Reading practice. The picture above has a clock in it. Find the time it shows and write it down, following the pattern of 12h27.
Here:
9h39
